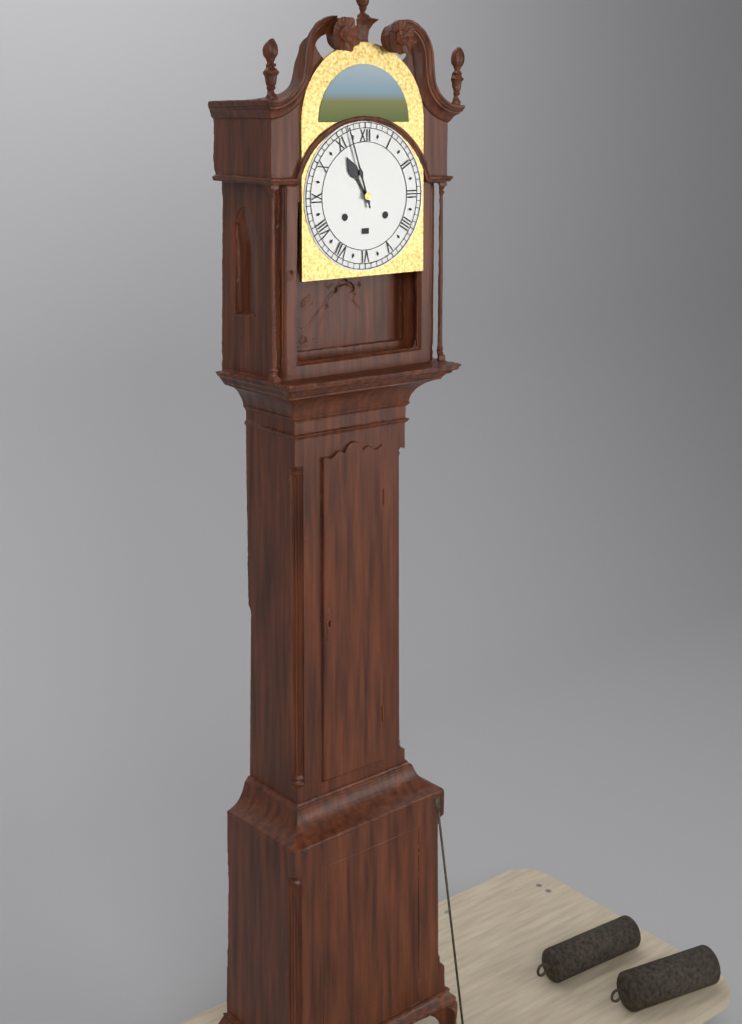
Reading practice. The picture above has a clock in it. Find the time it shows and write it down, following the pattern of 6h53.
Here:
10h57
